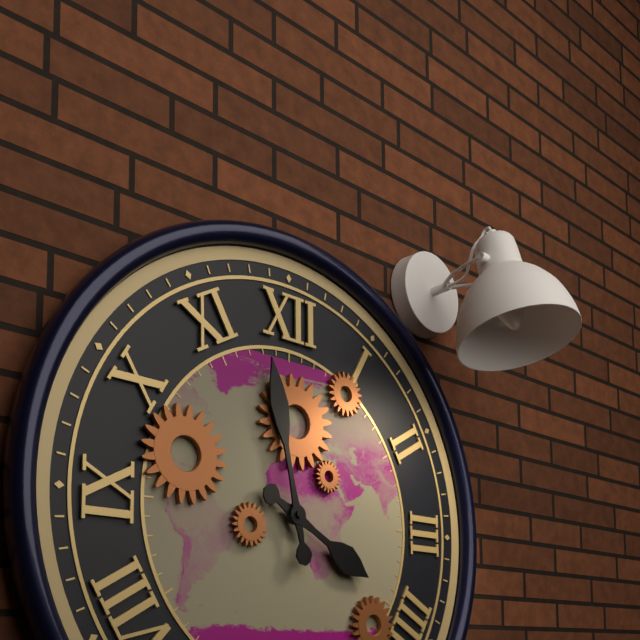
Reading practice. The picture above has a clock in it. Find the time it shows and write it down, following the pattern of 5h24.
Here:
3h58
